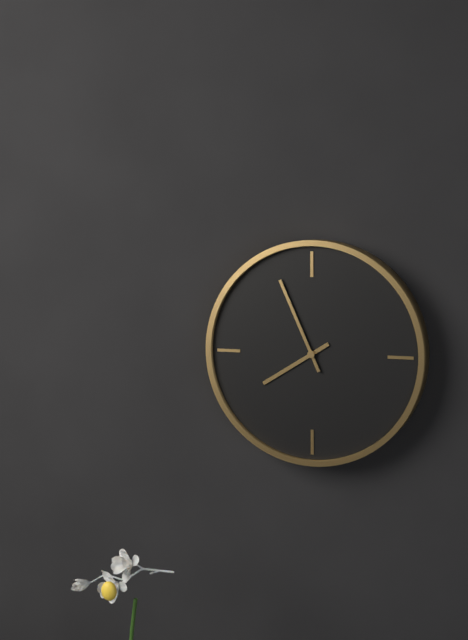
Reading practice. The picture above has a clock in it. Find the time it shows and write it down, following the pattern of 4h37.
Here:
7h56
